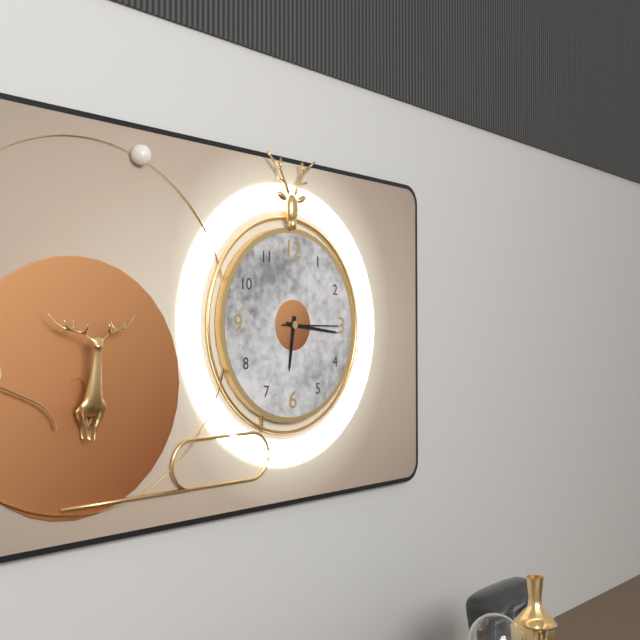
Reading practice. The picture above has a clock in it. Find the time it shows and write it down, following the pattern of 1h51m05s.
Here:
6h16m15s
